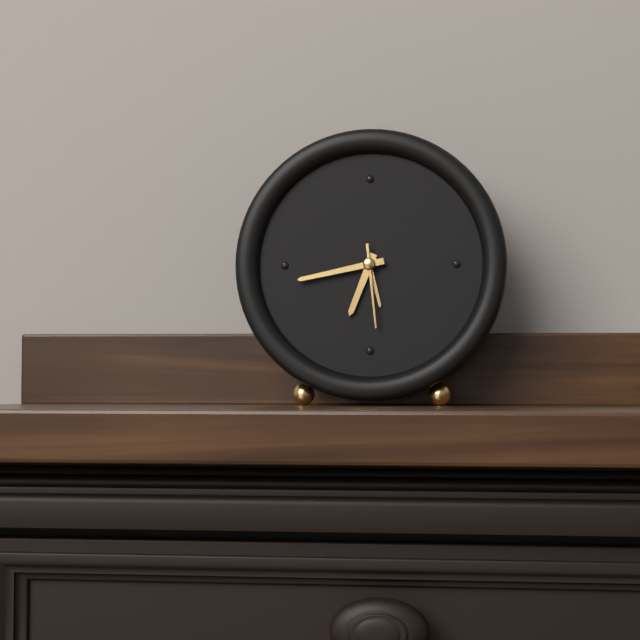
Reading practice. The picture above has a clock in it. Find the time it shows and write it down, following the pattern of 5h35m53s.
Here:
6h43m29s
